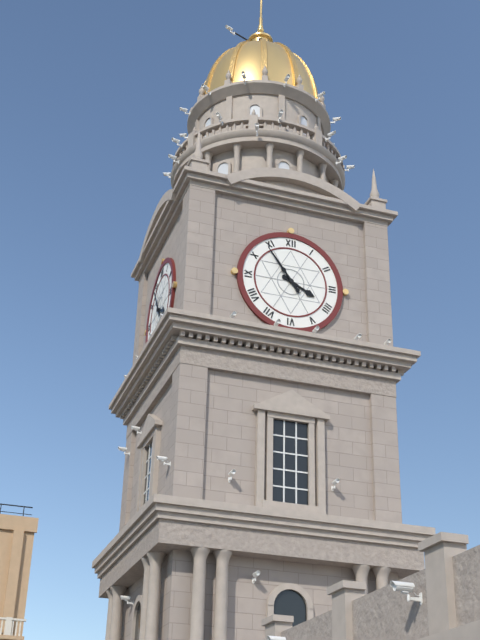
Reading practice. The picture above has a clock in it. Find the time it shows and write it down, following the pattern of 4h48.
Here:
3h54
